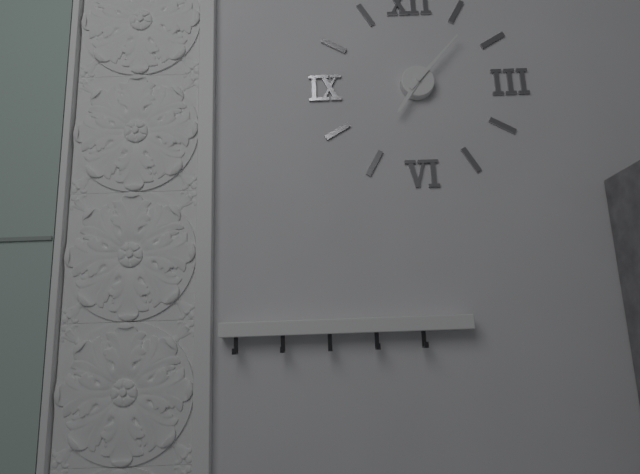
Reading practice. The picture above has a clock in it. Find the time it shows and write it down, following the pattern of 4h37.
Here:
7h07
